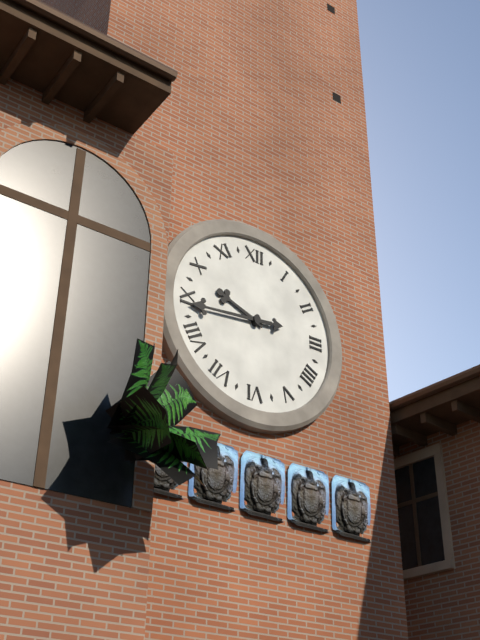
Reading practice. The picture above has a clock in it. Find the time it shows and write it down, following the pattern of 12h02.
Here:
9h44
